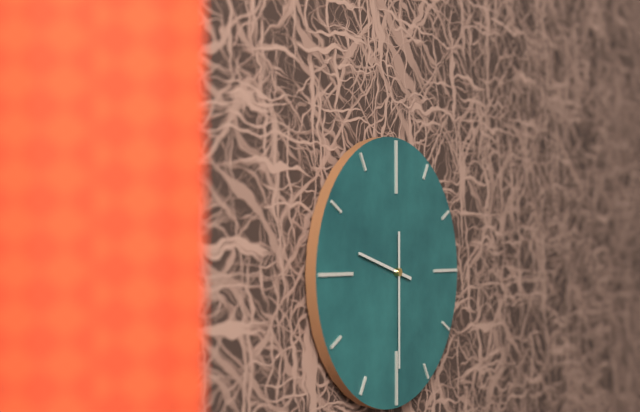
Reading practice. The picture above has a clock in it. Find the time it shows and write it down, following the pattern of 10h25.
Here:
9h30
